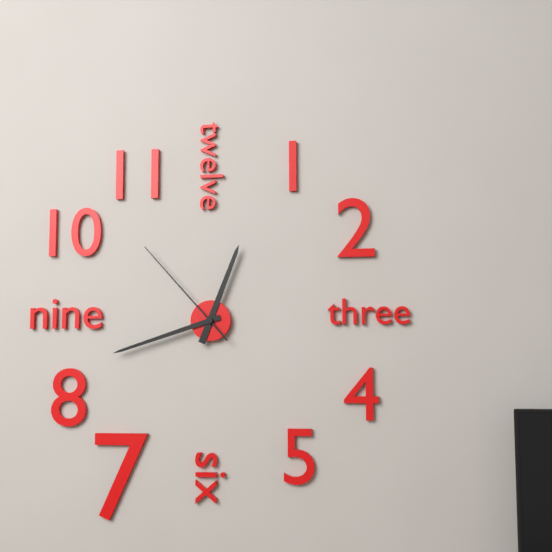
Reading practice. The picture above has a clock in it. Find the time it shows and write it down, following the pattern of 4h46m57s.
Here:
12h42m53s
